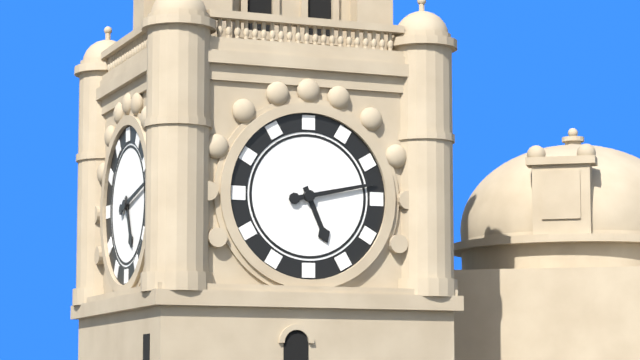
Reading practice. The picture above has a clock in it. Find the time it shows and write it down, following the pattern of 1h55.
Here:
5h13
